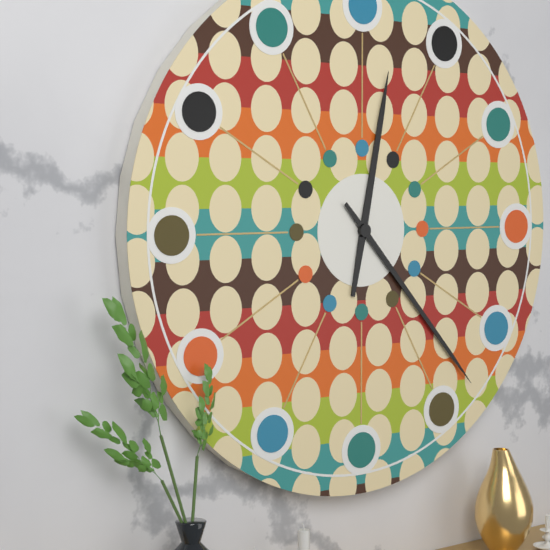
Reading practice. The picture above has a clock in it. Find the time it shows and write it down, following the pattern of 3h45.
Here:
12h23
